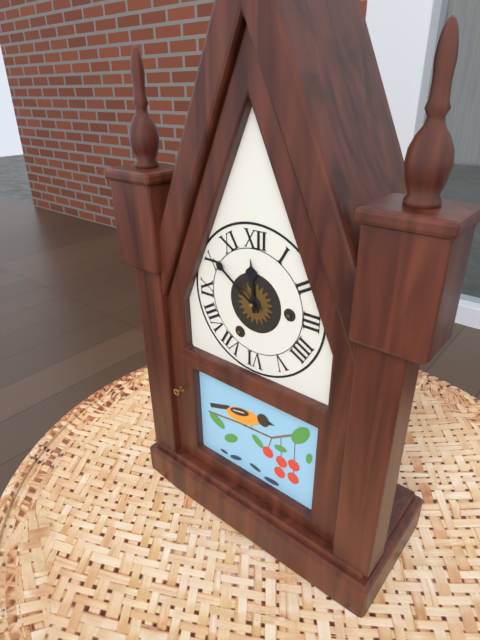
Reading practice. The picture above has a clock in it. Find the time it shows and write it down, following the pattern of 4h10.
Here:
11h51
